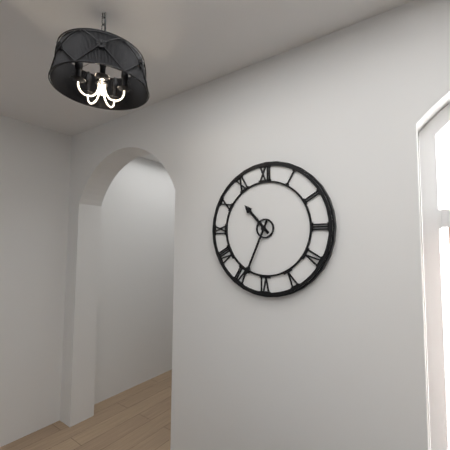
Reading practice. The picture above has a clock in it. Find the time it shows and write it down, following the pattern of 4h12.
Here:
10h34
